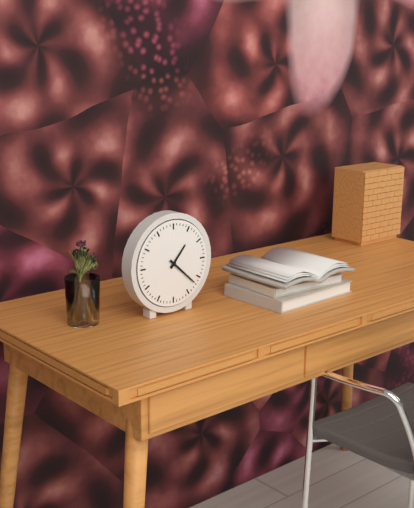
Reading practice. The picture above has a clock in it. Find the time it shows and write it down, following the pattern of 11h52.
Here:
1h22
